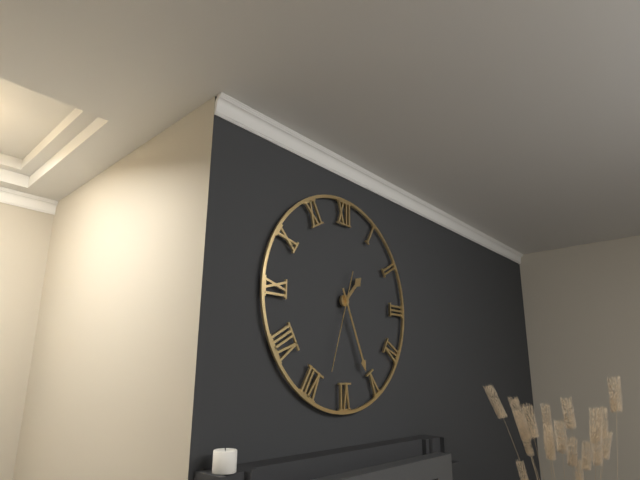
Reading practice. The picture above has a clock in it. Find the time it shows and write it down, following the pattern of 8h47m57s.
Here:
1h26m33s
